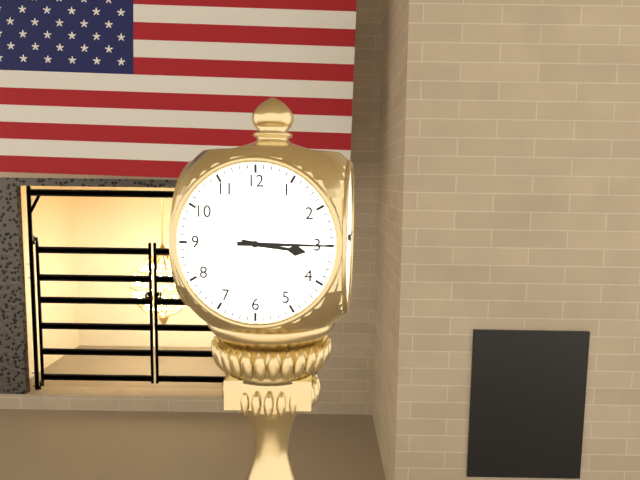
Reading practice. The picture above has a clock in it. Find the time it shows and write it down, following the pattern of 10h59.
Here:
3h15
